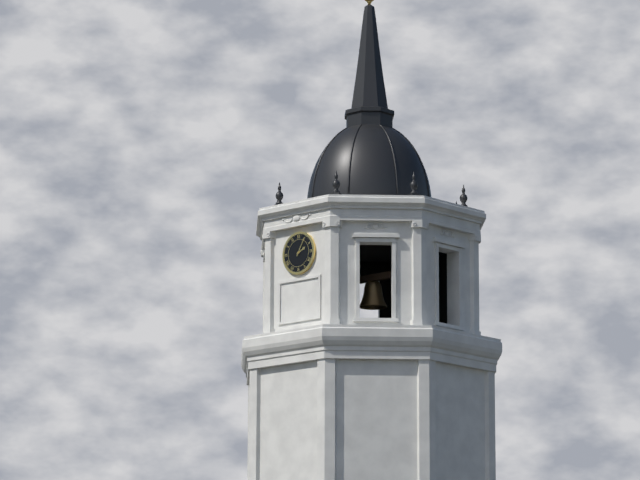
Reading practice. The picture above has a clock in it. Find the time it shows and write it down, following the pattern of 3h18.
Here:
2h05
